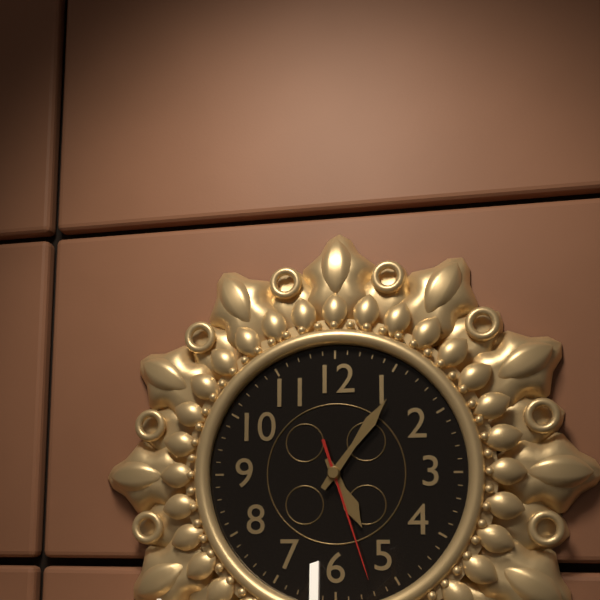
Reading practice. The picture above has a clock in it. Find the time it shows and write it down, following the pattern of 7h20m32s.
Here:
5h06m27s
